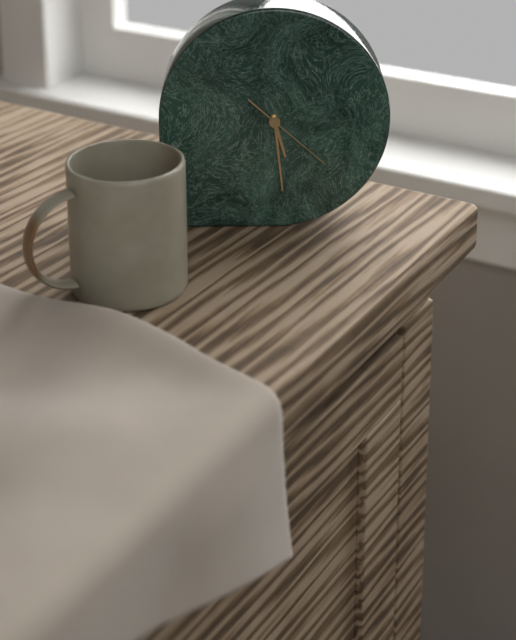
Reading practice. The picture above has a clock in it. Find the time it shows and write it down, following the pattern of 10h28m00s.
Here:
5h29m22s
